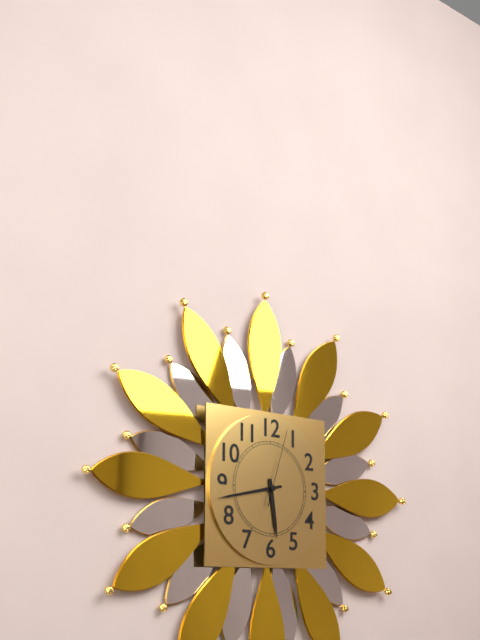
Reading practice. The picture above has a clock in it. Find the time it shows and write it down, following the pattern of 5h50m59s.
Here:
5h43m03s
